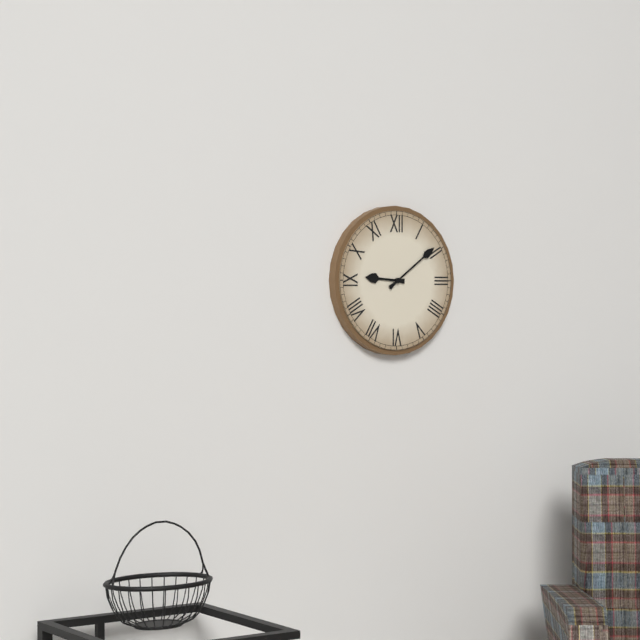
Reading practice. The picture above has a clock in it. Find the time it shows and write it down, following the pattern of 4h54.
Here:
9h09
